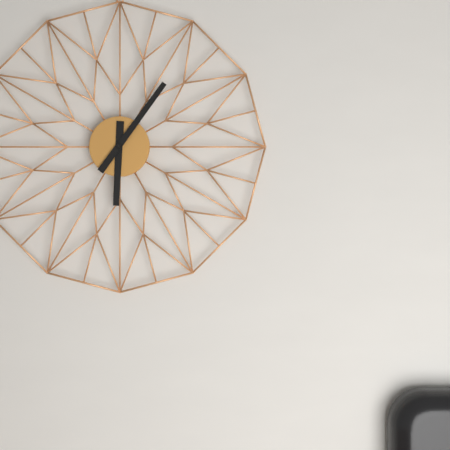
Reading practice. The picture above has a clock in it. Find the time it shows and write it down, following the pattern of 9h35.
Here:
6h06
